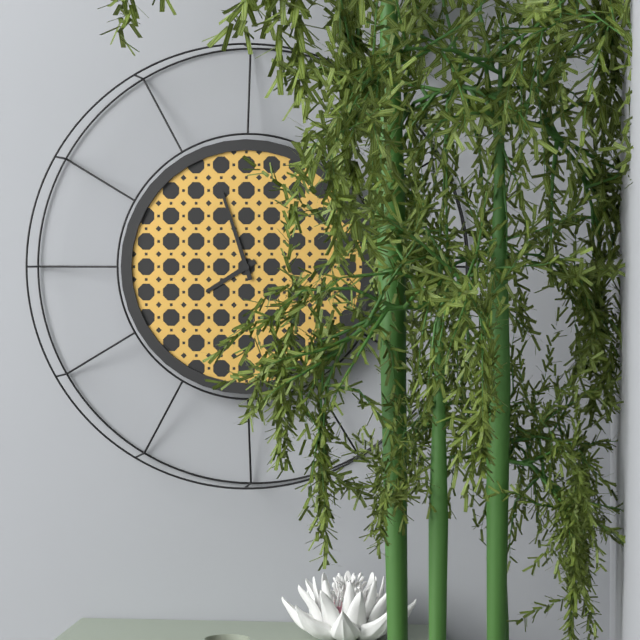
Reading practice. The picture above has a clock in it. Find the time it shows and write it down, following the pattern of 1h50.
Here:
7h57
